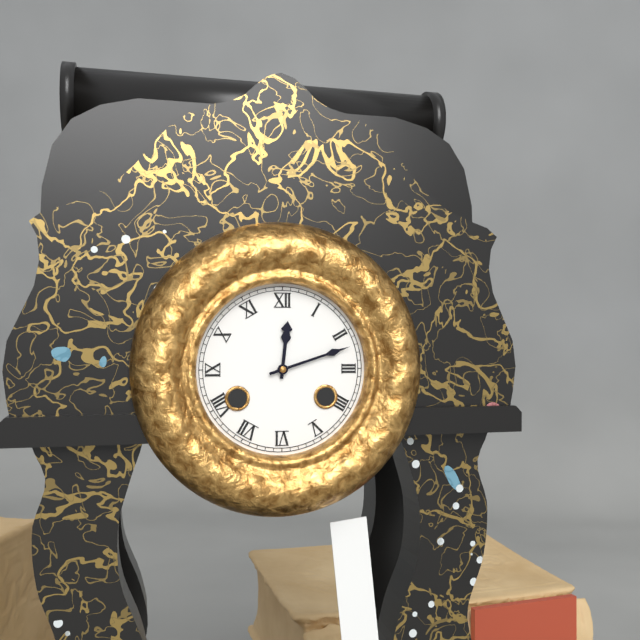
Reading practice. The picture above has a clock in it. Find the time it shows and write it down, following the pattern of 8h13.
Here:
12h12
